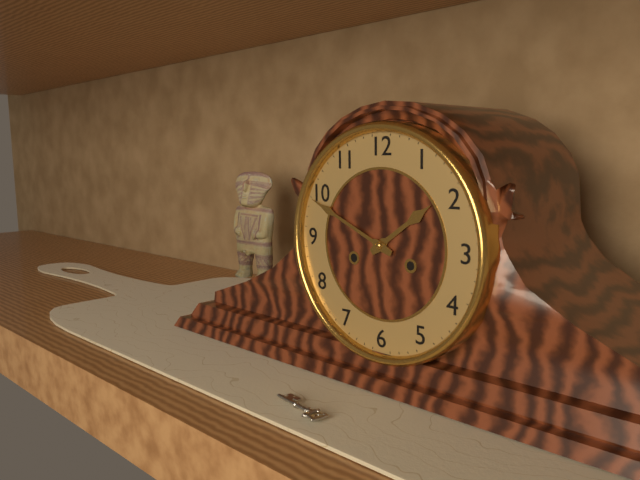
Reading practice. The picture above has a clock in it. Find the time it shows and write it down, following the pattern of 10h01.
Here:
1h49
